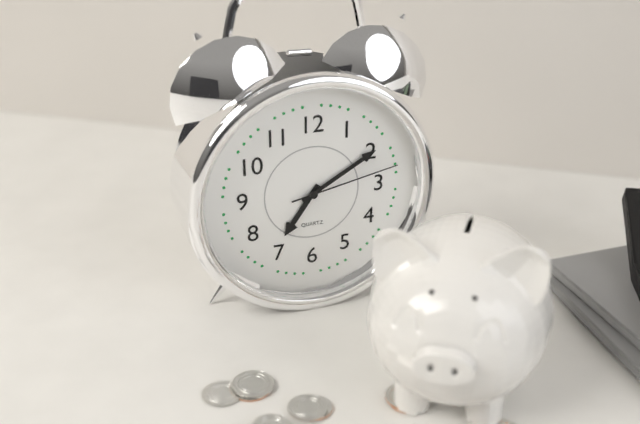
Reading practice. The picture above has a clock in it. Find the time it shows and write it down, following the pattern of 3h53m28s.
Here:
7h10m13s
